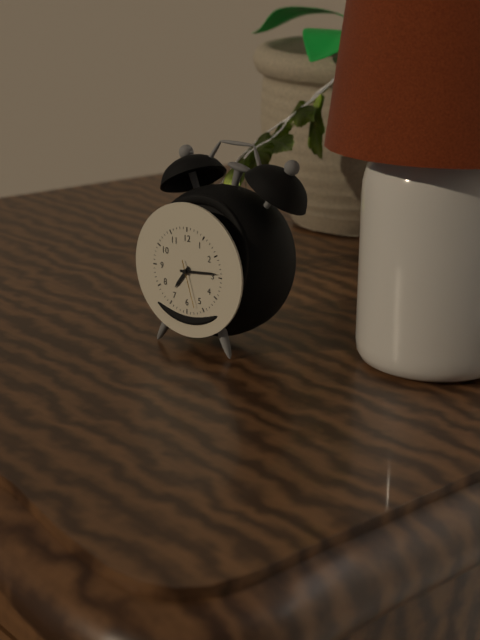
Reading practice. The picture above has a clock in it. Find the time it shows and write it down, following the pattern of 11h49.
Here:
7h14
